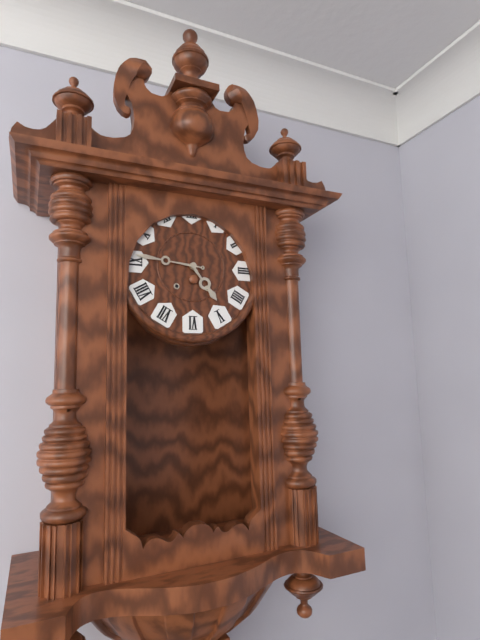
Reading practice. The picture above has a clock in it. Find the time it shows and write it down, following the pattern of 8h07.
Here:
4h46
